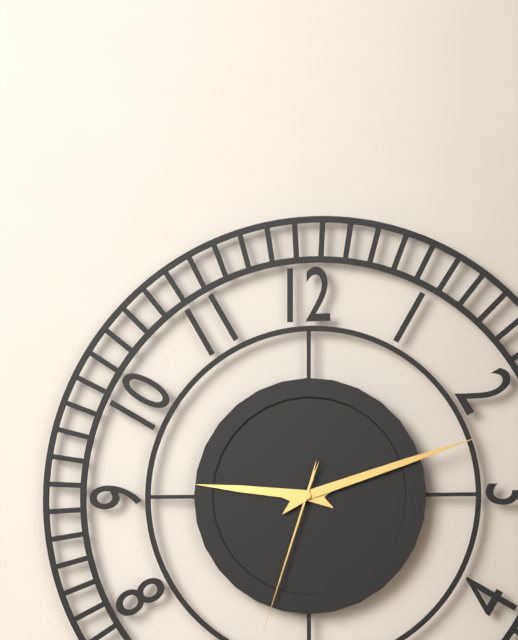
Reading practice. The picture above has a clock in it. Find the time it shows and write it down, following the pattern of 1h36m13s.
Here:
9h12m33s
